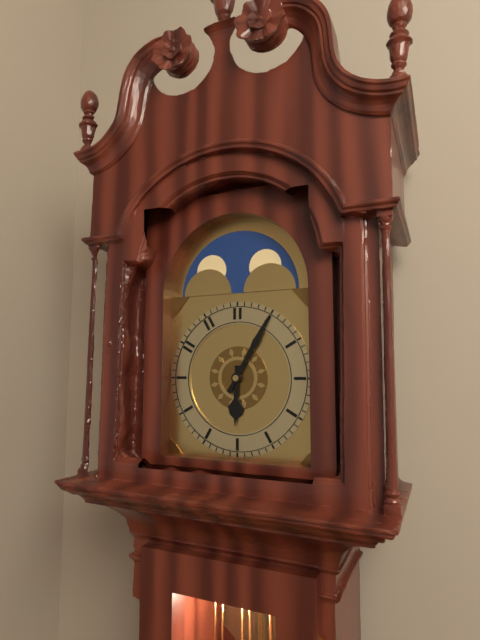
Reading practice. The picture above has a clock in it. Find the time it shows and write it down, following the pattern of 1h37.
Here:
6h05
